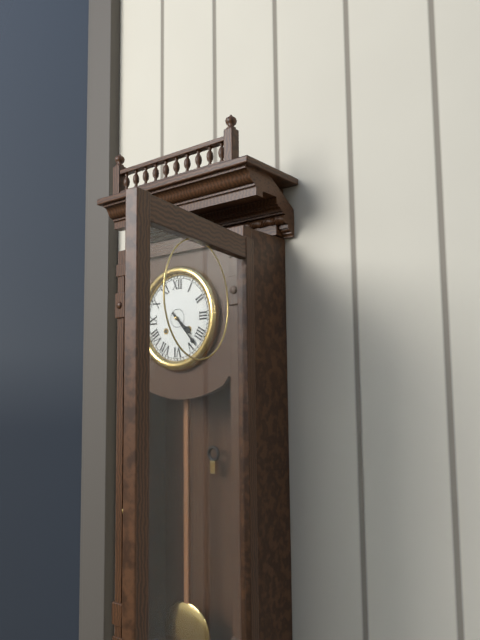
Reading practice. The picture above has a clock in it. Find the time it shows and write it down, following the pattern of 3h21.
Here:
4h23
